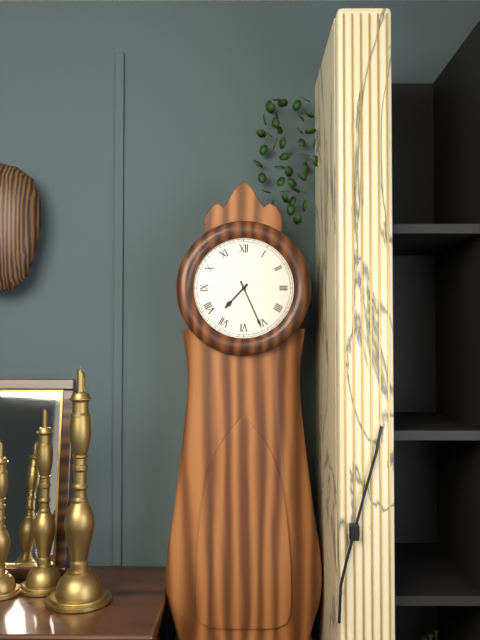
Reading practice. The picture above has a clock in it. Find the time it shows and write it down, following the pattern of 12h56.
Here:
7h26
